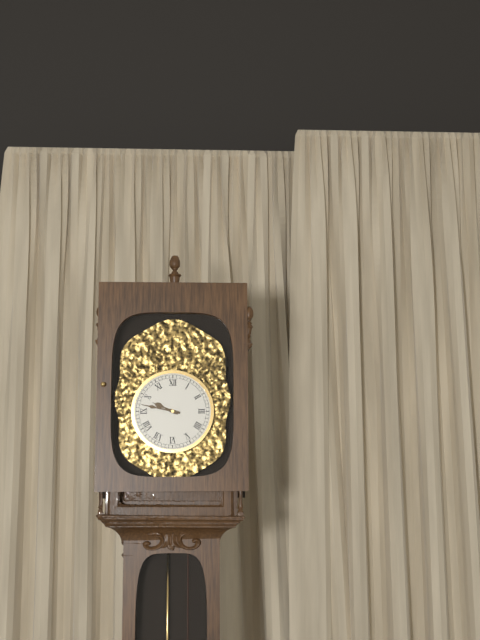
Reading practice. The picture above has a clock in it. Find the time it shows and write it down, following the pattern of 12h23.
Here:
9h47
